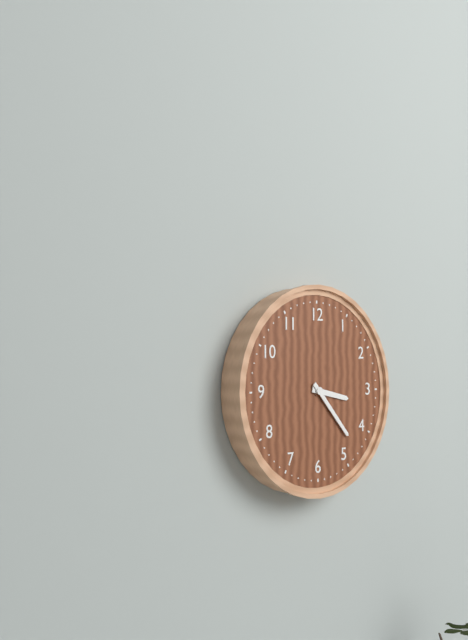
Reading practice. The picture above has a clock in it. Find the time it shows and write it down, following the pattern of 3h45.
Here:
3h23
